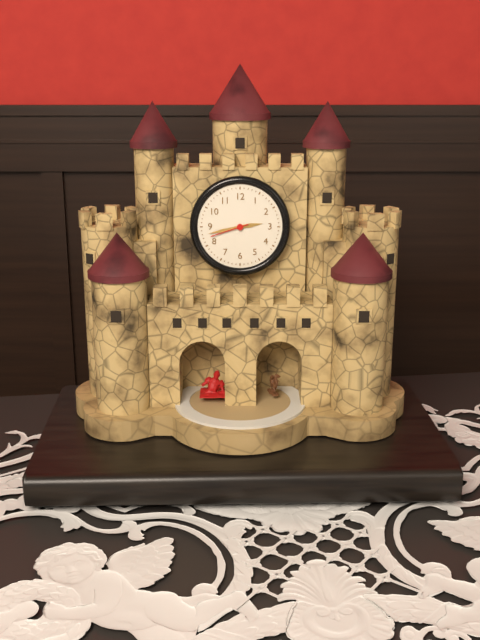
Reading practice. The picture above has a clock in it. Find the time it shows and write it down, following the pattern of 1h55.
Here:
2h43
